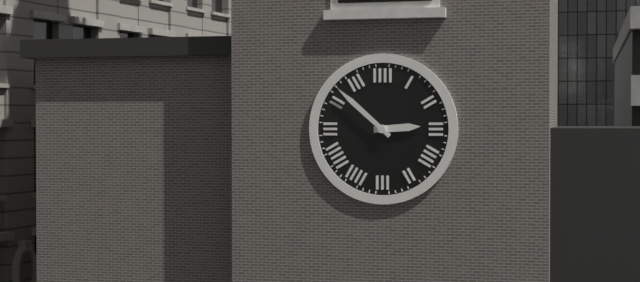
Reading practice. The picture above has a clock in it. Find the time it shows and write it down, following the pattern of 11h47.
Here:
2h52
